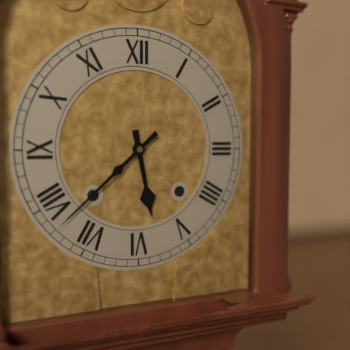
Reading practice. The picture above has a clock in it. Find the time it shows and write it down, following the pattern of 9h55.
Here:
5h38
